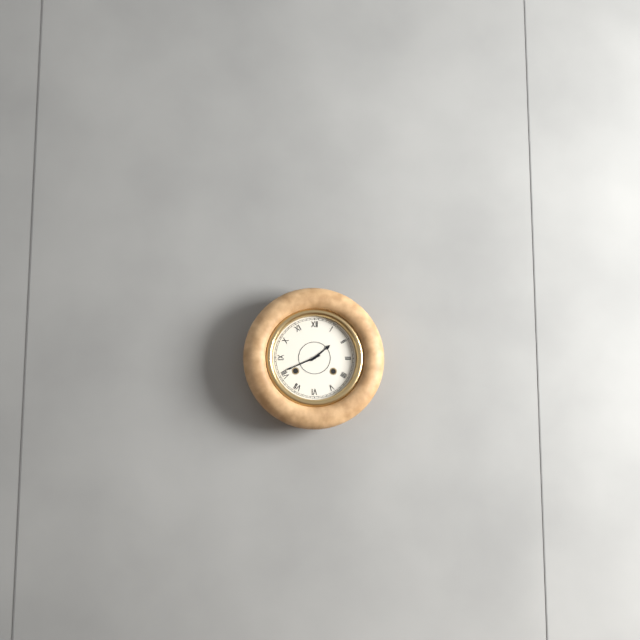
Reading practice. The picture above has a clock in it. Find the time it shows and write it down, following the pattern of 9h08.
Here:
1h41
